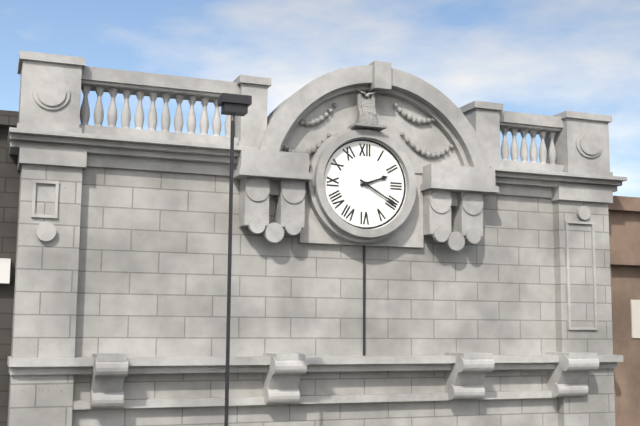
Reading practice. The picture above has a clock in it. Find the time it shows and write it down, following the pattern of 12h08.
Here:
2h20
